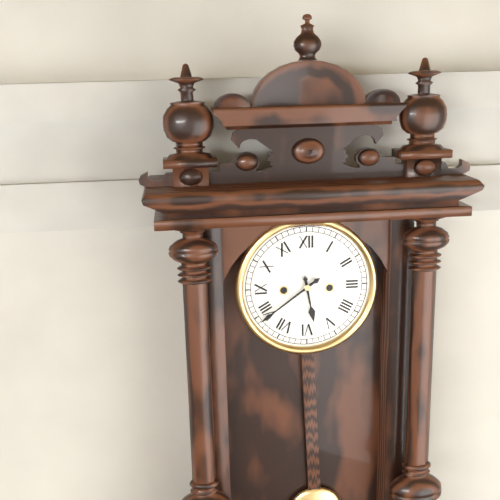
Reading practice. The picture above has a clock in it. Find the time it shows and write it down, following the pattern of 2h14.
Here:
5h39
